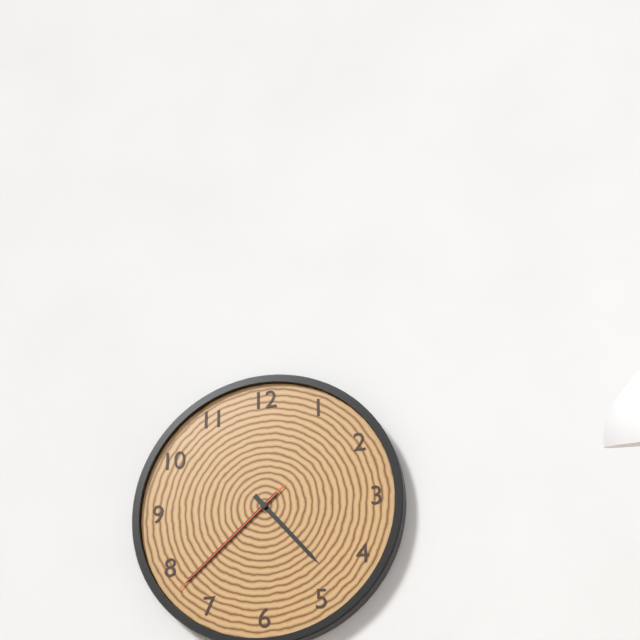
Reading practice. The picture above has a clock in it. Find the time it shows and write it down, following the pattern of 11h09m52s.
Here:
4h38m38s
